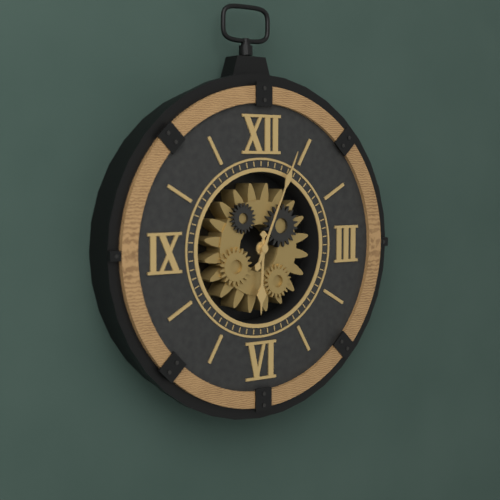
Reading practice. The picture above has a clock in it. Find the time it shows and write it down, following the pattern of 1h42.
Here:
6h04
